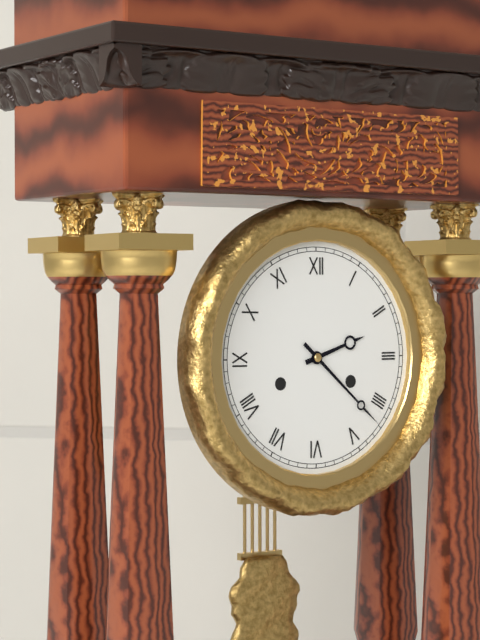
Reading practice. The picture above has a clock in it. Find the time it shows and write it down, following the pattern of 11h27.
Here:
2h22
